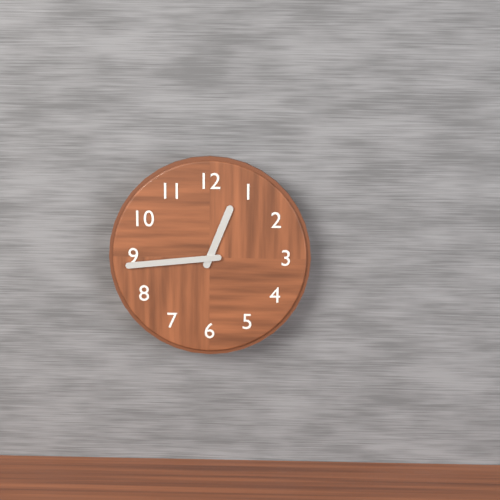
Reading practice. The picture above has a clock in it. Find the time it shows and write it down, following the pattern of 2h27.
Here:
12h44
